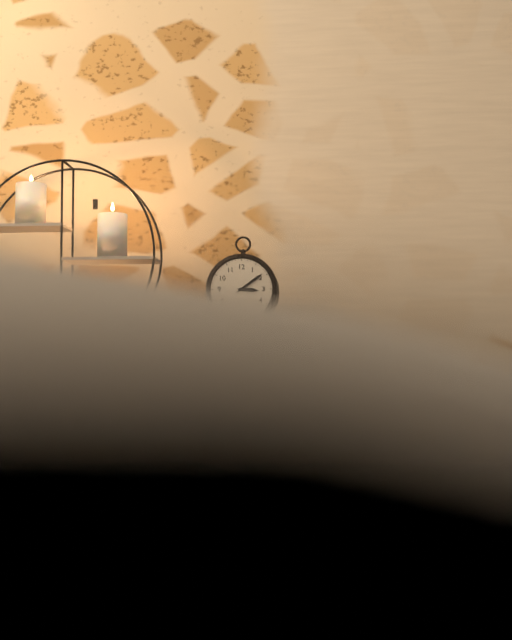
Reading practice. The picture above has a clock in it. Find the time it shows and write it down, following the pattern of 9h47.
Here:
3h09
